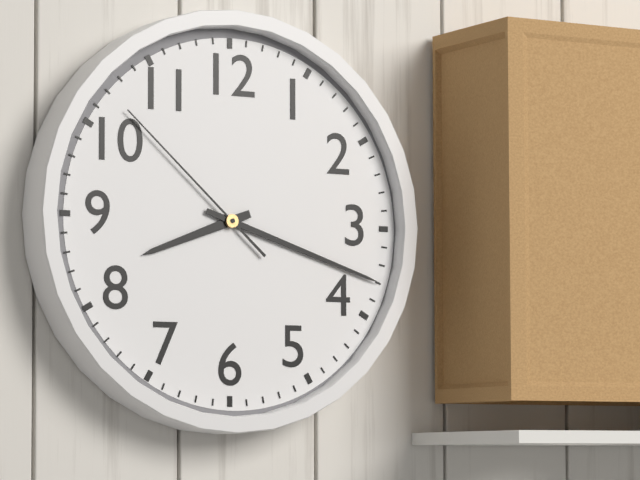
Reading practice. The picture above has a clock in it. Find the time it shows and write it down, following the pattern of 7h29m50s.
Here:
8h18m52s
